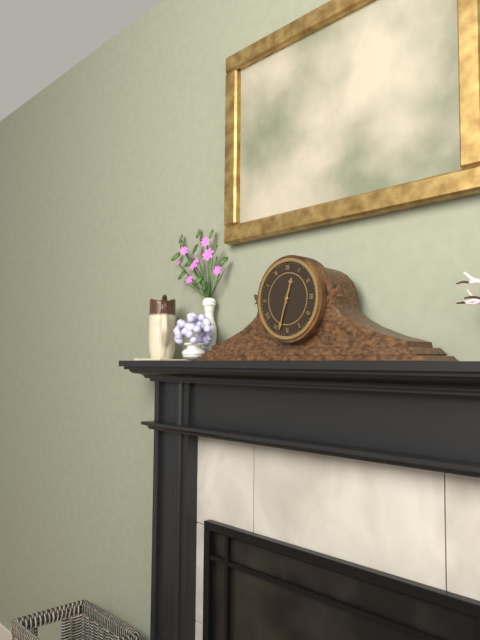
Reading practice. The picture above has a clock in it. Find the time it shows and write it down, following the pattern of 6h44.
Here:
12h33
